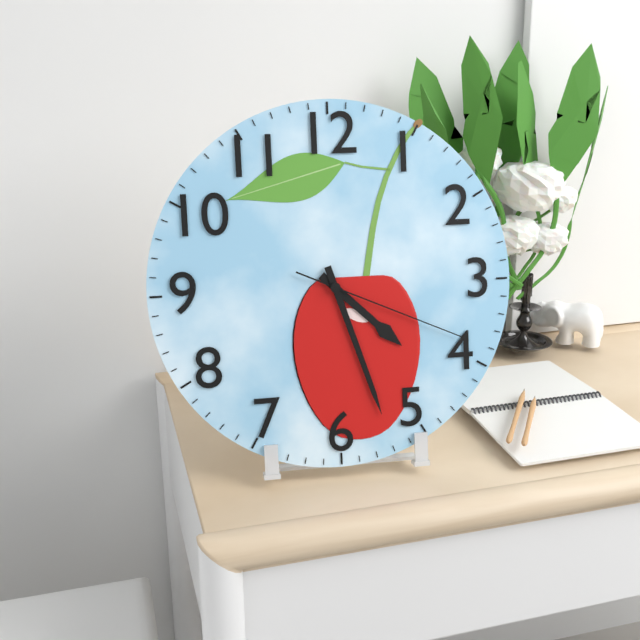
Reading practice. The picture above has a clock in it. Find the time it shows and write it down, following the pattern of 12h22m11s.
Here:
4h27m19s
